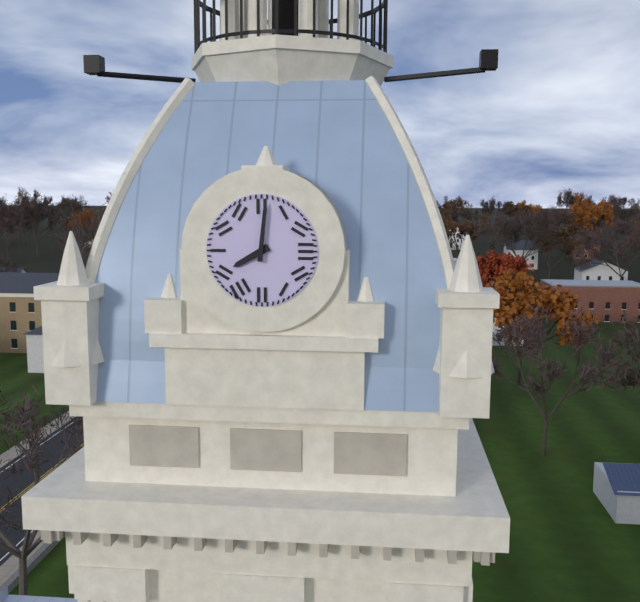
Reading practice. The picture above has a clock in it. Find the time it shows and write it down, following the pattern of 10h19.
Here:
8h01
